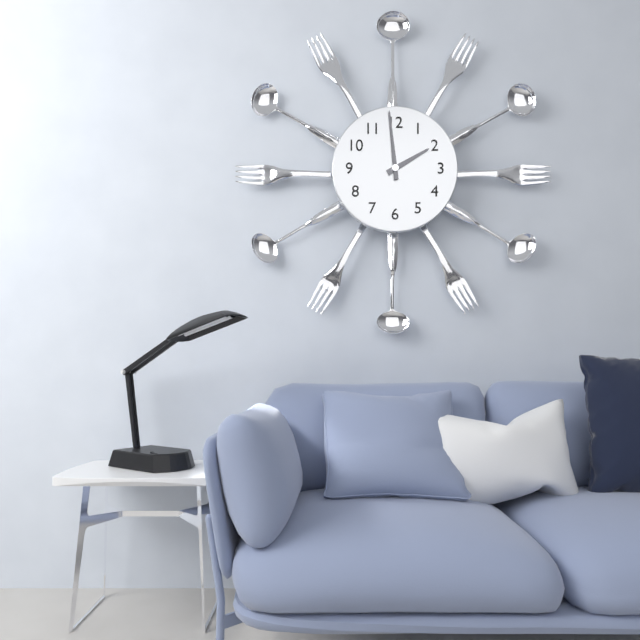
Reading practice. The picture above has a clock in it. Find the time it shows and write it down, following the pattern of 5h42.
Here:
1h59
